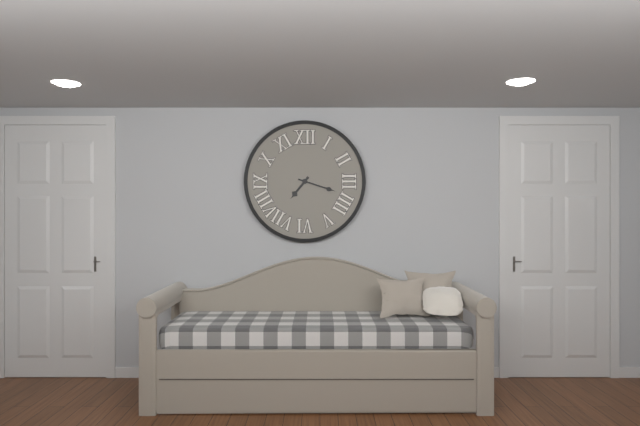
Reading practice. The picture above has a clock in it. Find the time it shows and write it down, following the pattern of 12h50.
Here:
7h18
